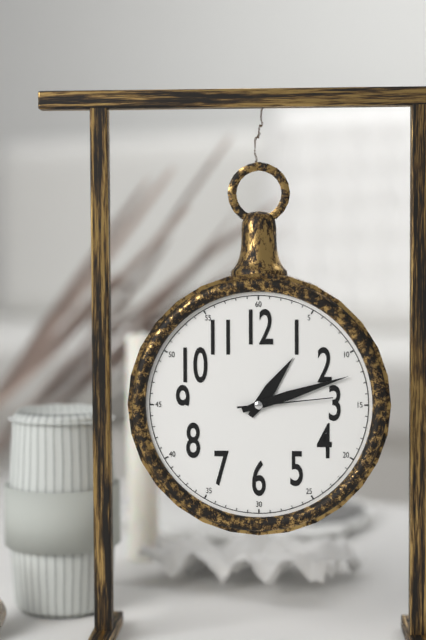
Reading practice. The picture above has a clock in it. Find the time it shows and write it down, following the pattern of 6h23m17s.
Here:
1h12m14s
